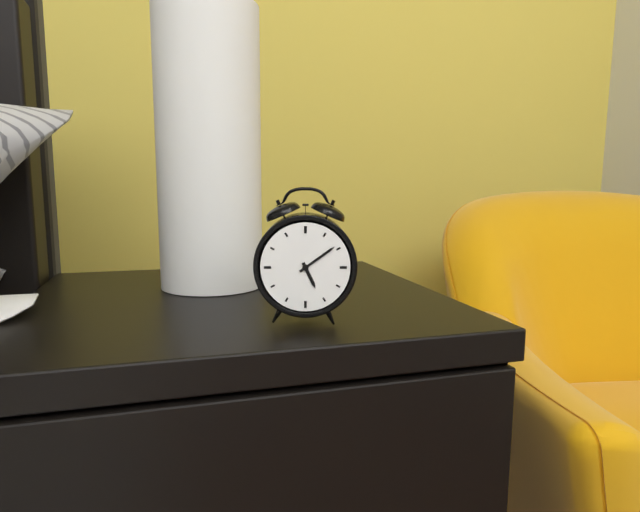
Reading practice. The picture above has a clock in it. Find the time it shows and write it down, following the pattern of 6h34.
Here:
5h09
